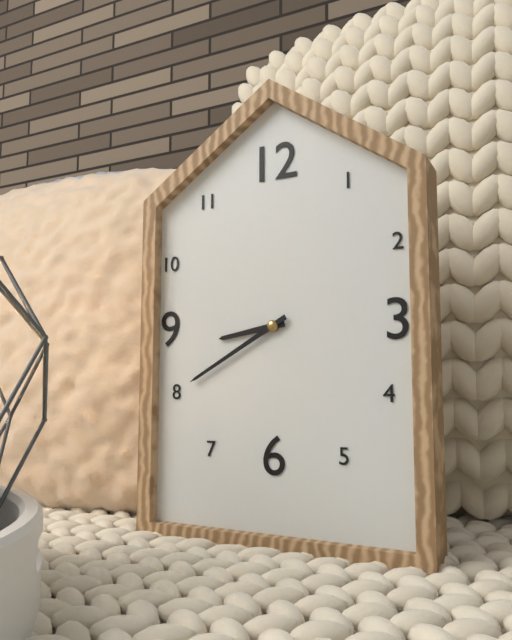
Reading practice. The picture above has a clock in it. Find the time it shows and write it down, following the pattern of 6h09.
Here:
8h40
